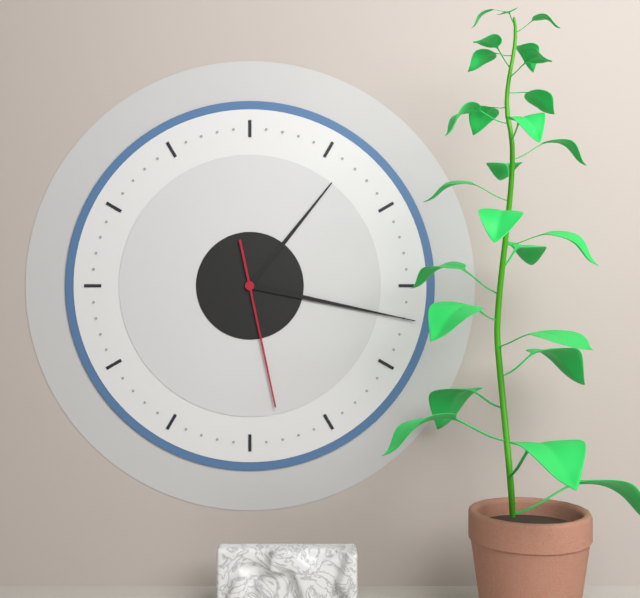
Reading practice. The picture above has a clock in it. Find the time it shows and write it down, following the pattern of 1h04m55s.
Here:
1h17m28s
